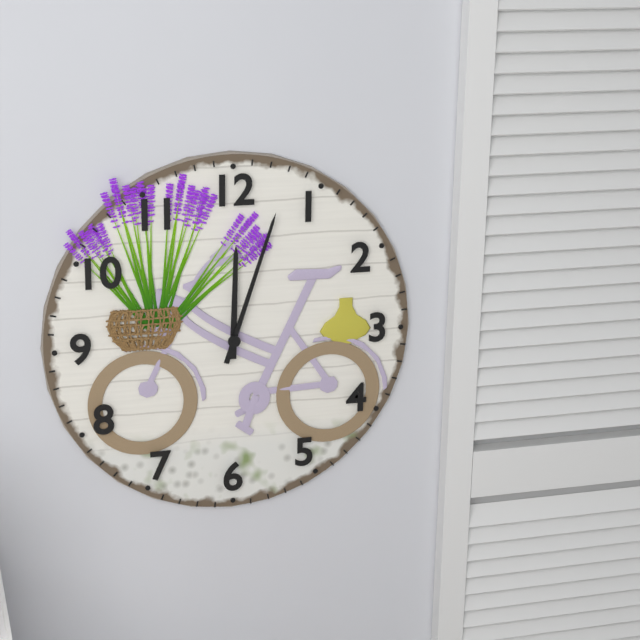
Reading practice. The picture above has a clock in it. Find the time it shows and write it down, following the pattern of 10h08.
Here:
12h03
